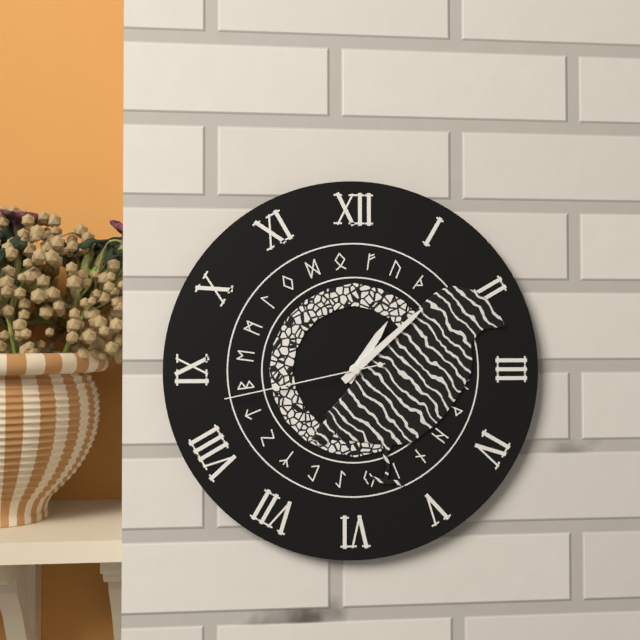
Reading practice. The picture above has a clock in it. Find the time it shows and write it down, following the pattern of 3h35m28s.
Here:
1h08m43s
